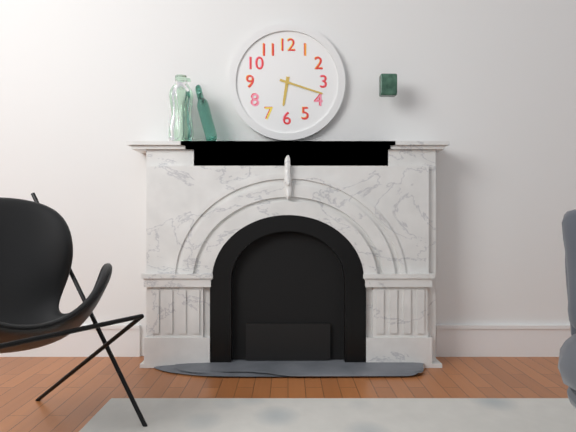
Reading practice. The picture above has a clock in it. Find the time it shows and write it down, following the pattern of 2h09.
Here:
6h18
